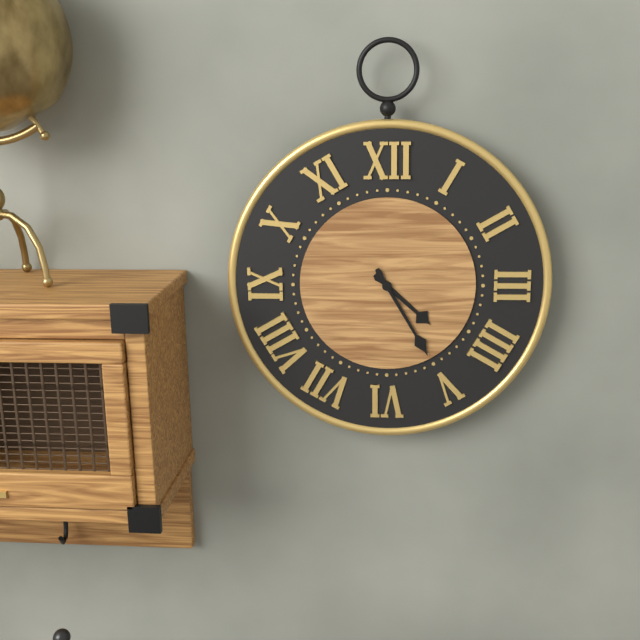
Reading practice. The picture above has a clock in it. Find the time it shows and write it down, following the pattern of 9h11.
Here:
4h25
